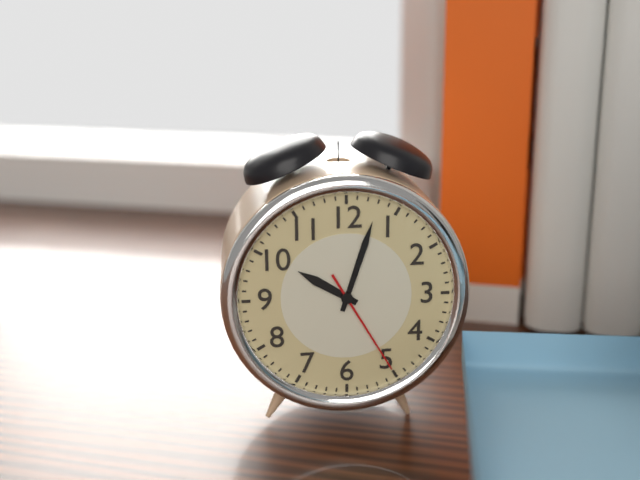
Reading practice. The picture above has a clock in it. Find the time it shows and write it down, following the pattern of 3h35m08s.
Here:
10h03m25s
